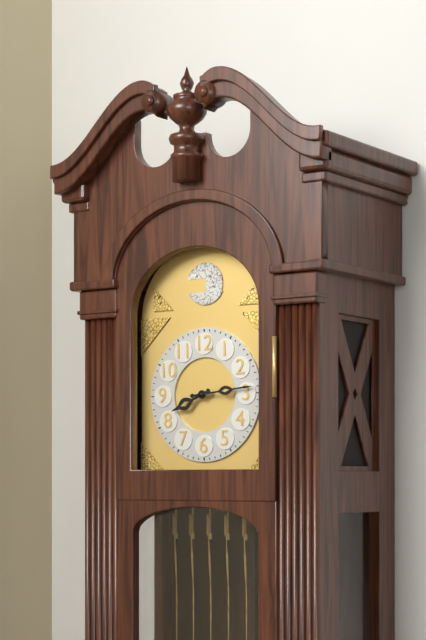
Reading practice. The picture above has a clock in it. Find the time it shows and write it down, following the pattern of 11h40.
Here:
8h14
